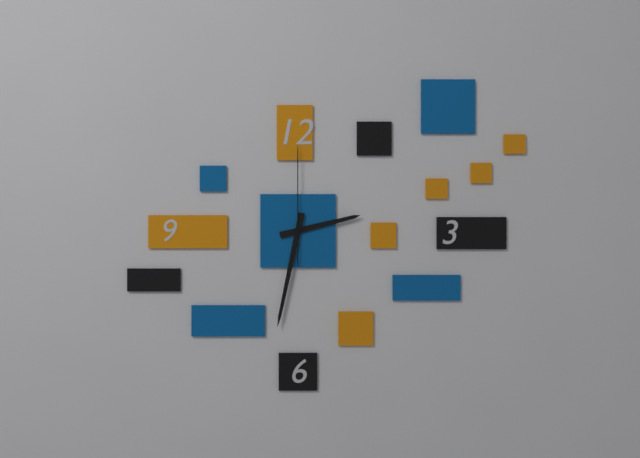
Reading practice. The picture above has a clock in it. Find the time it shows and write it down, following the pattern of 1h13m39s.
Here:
2h32m00s
